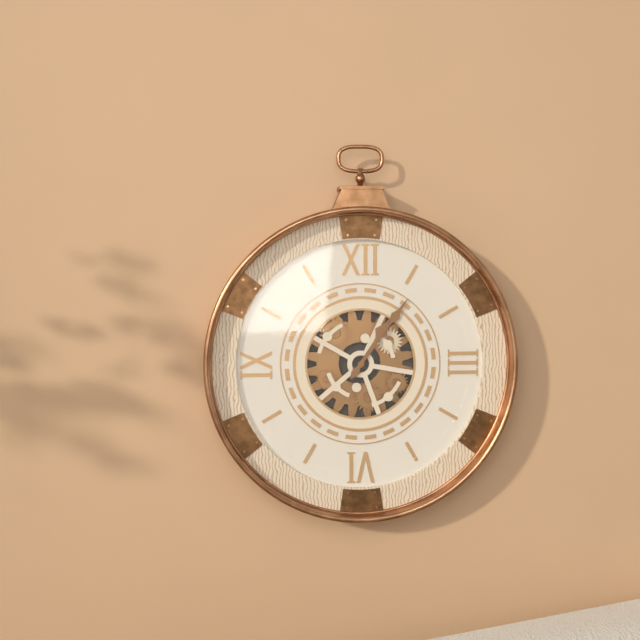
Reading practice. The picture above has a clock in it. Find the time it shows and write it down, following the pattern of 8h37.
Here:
1h06
